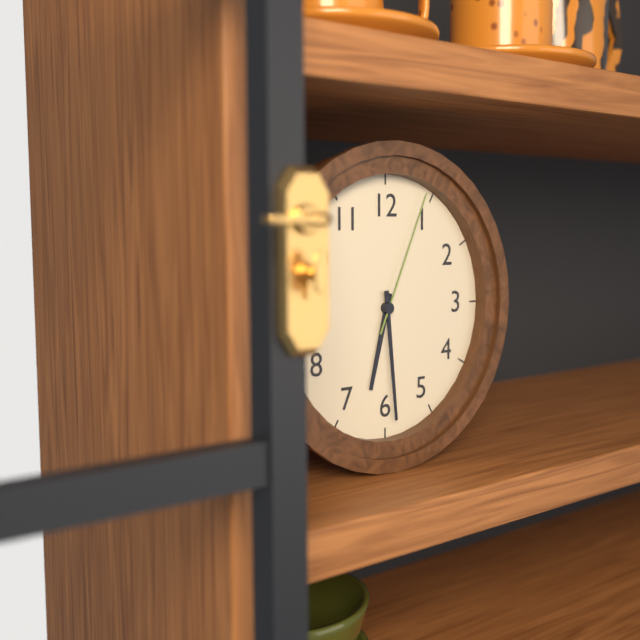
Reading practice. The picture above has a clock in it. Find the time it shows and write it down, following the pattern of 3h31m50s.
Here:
6h29m04s
